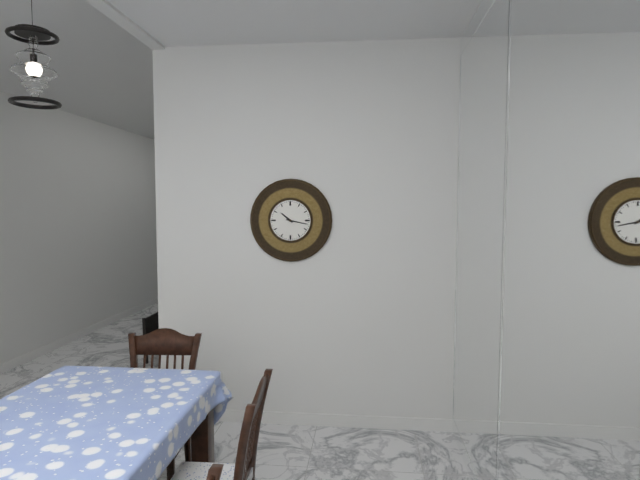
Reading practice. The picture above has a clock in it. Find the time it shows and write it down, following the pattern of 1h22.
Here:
10h17
